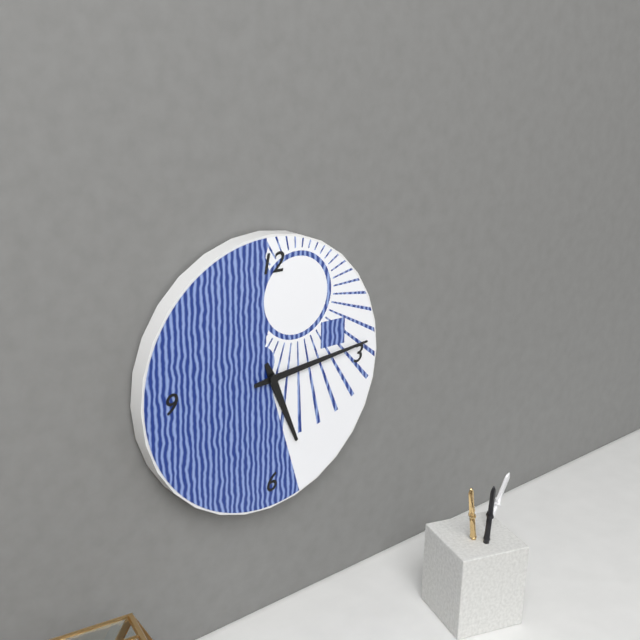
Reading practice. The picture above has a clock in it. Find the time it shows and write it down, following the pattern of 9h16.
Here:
5h14
